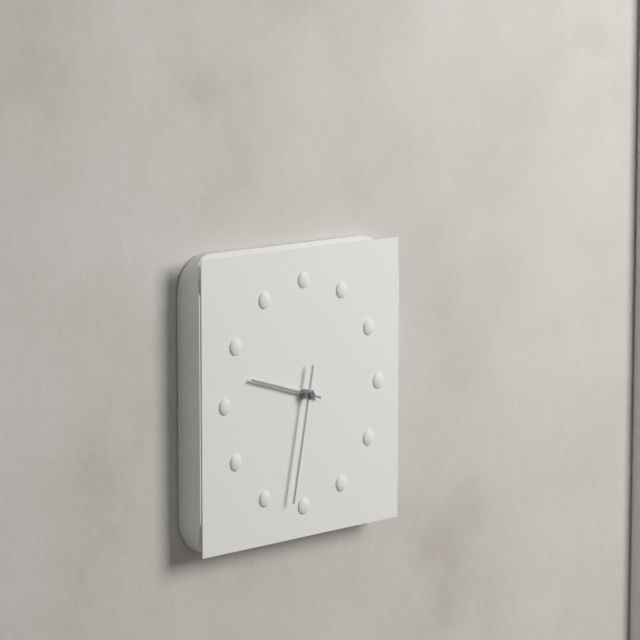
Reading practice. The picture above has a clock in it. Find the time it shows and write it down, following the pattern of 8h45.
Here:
9h32
